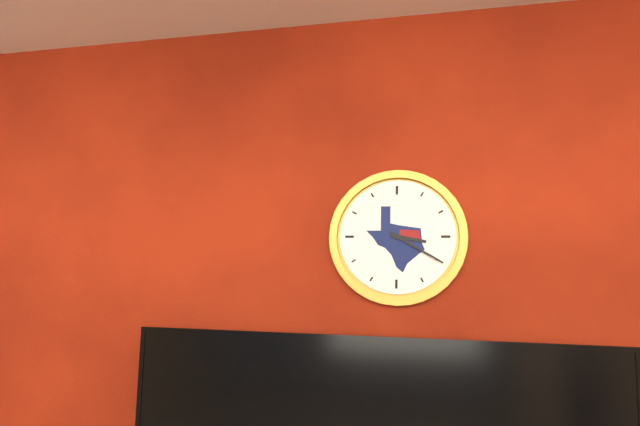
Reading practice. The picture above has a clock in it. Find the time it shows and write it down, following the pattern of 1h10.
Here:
3h20
